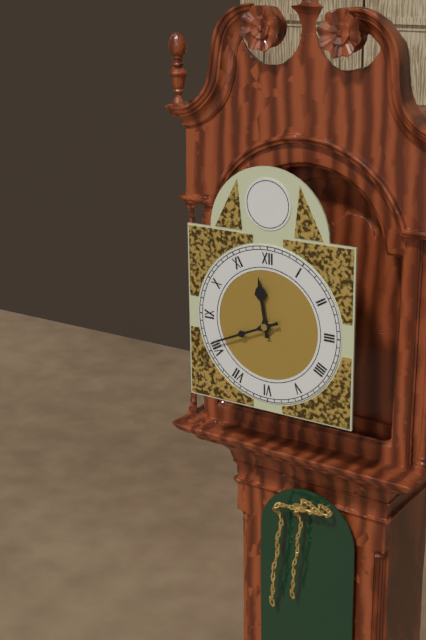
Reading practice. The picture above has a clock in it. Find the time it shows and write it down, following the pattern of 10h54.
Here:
11h41
